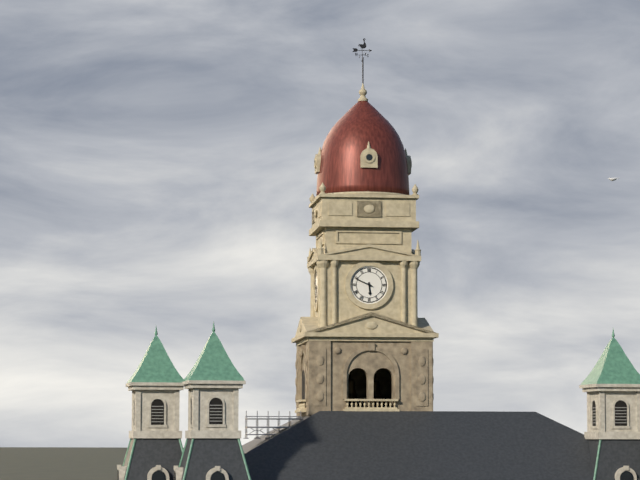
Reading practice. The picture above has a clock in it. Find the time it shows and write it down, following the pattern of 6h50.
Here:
5h49
